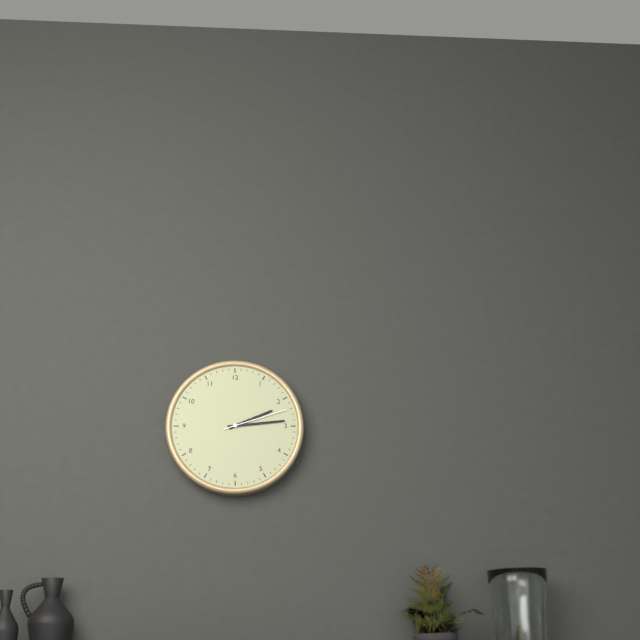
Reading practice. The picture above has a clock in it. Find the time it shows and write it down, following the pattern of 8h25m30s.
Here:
2h14m12s
